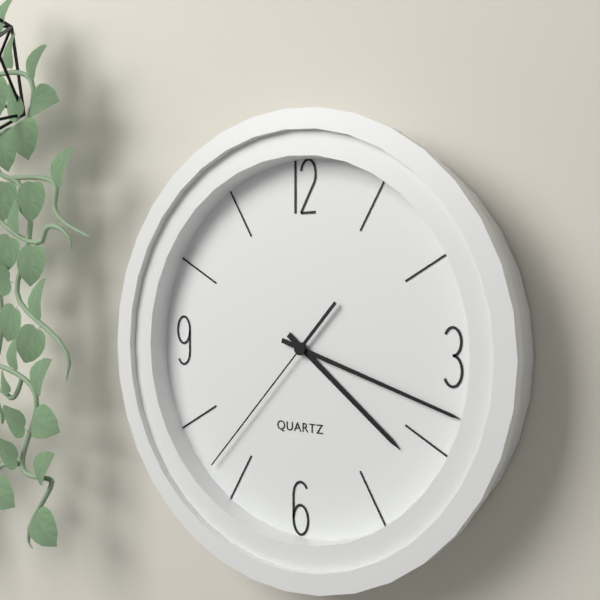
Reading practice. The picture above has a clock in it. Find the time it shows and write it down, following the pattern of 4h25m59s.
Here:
4h18m37s
